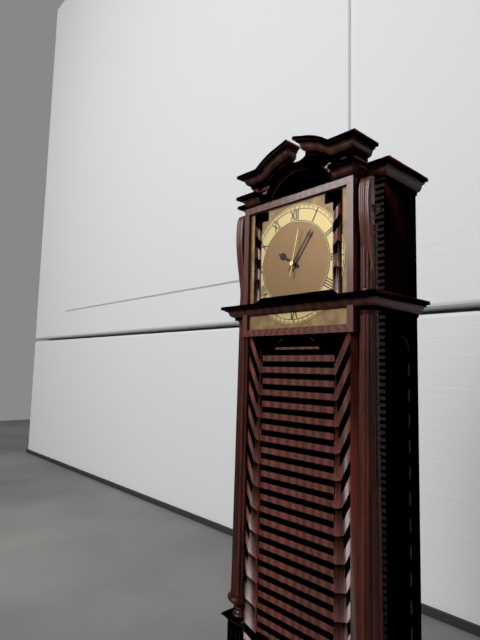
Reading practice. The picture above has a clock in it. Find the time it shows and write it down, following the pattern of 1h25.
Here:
10h06
